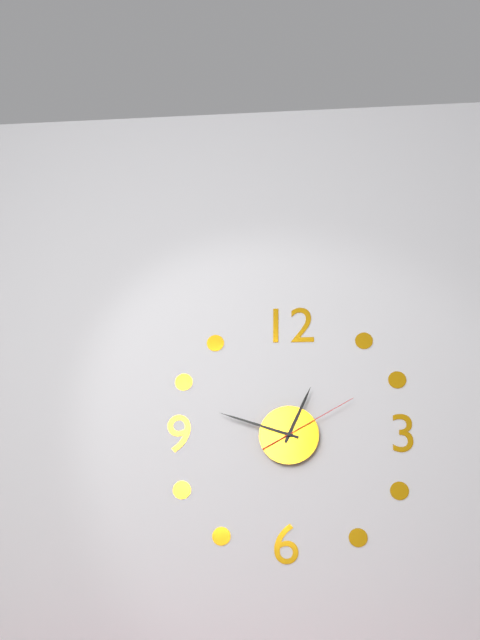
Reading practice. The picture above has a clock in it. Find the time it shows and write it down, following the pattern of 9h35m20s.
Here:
12h48m10s
